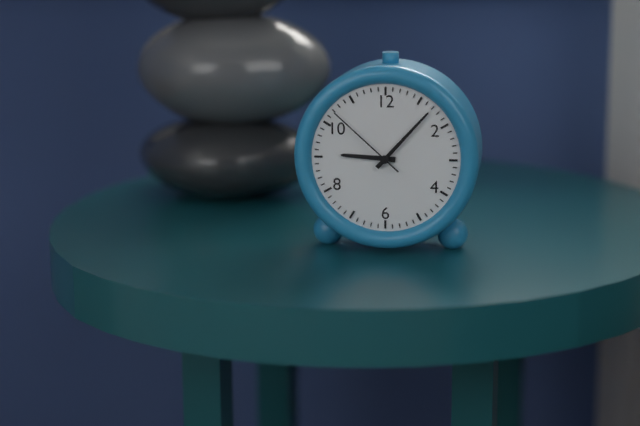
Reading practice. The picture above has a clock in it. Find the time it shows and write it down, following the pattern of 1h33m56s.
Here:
9h07m52s
